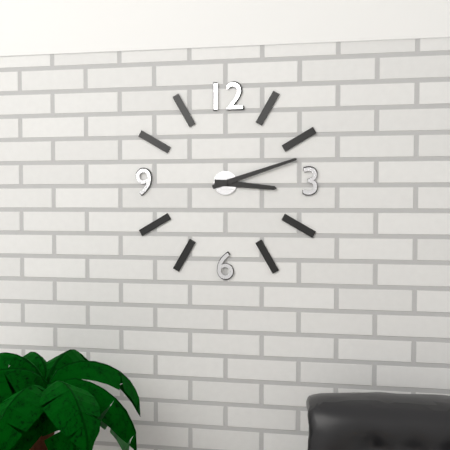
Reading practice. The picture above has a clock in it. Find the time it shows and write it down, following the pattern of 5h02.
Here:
3h12
